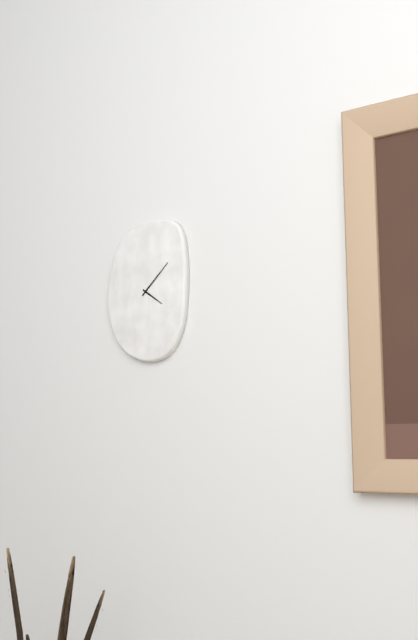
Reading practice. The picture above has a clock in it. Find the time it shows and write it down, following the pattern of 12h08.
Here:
4h08
